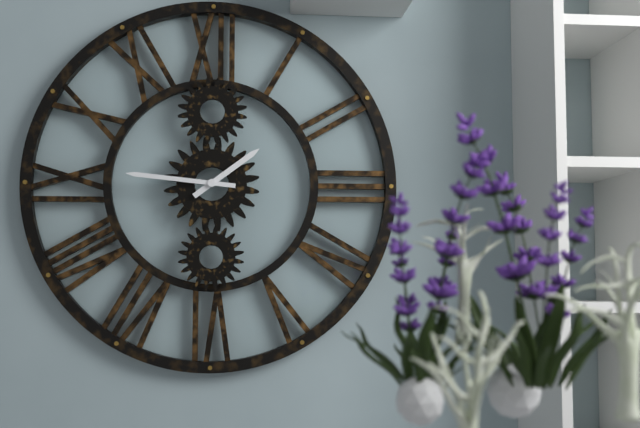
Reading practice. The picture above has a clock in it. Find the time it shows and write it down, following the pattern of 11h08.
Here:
1h46
